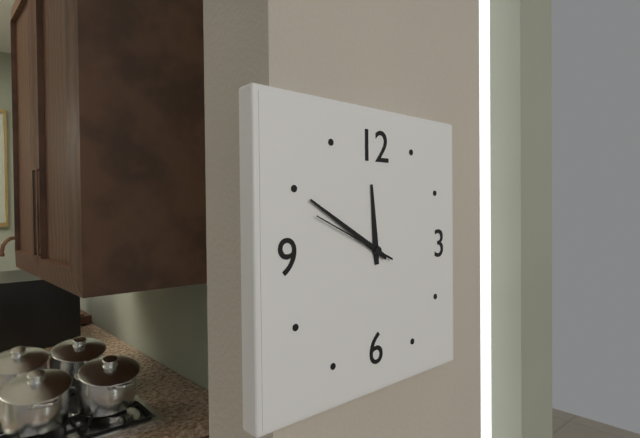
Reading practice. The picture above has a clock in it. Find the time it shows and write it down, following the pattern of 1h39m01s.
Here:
11h50m49s
